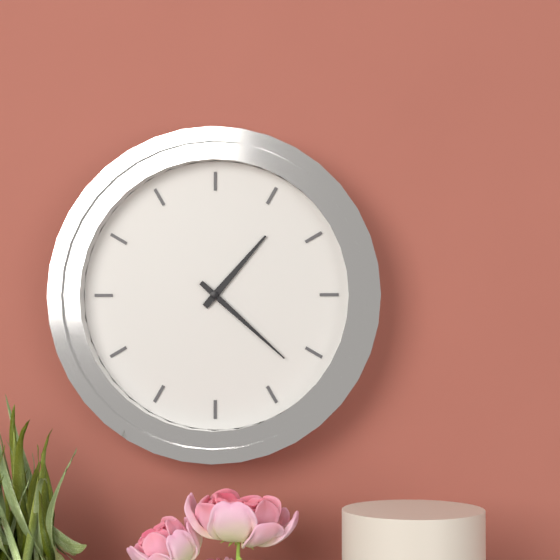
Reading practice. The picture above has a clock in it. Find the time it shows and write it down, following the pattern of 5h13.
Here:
1h22
